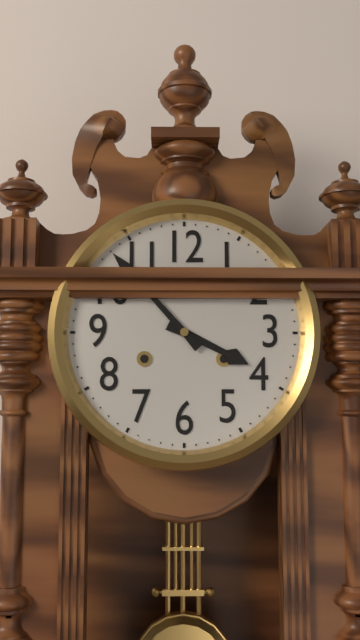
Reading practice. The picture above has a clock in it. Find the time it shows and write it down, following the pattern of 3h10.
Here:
3h53
